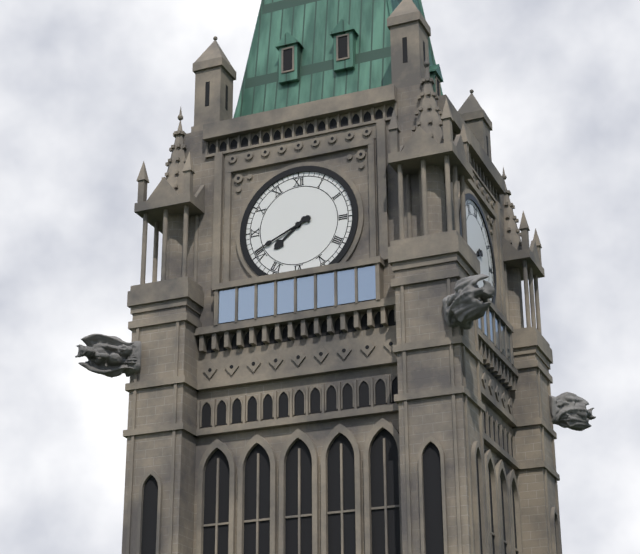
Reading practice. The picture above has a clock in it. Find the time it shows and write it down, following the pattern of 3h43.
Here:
7h41
